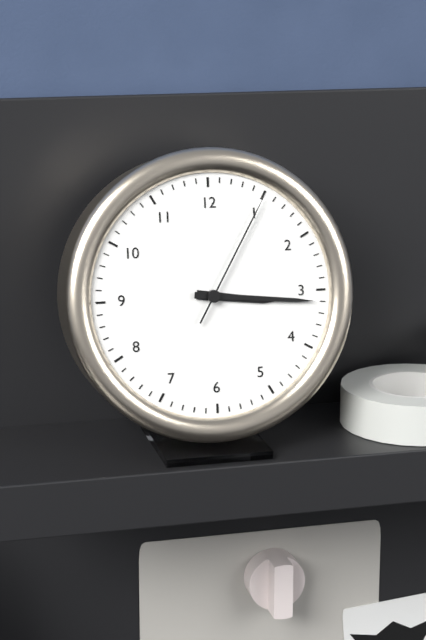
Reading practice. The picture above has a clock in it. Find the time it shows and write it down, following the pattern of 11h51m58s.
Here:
3h16m05s
